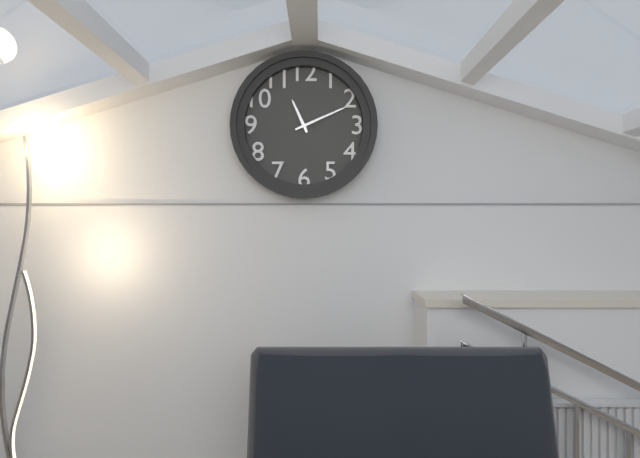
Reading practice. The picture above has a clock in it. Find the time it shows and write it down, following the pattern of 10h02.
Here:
11h11
